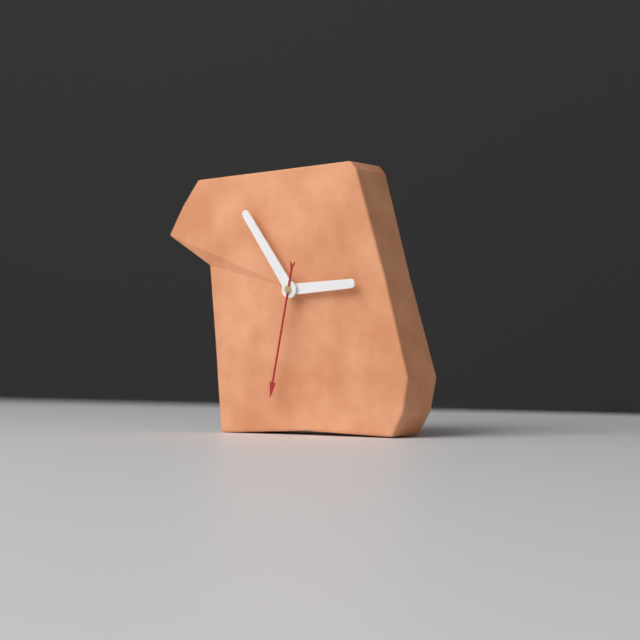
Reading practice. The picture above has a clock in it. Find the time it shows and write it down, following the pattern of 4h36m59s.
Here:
2h54m32s
